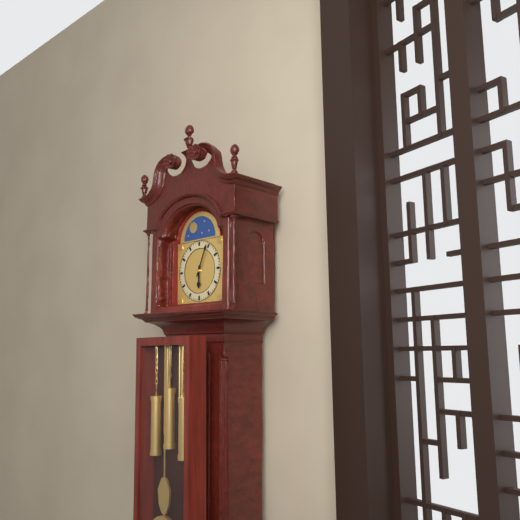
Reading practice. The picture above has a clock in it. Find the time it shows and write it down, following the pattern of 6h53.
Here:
6h04
